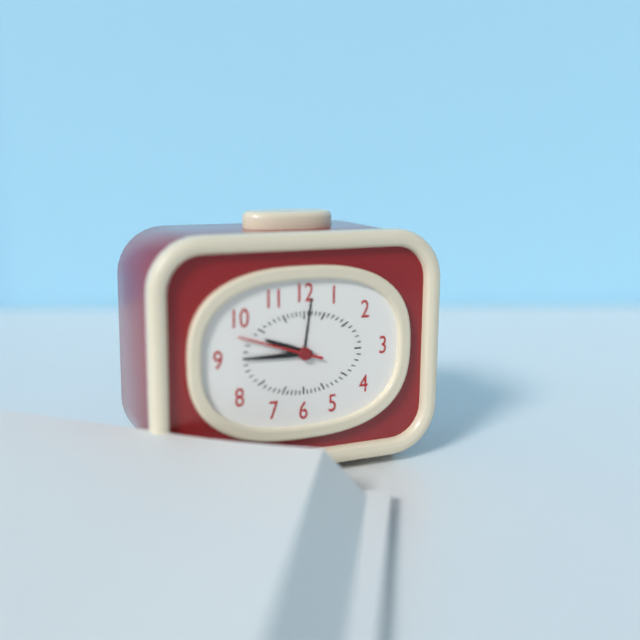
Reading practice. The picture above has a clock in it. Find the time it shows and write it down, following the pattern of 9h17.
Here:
9h45
